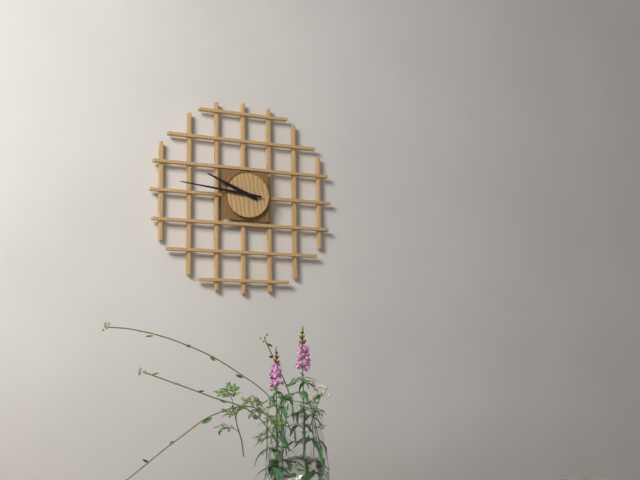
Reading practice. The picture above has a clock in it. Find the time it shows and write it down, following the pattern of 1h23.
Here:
9h46
